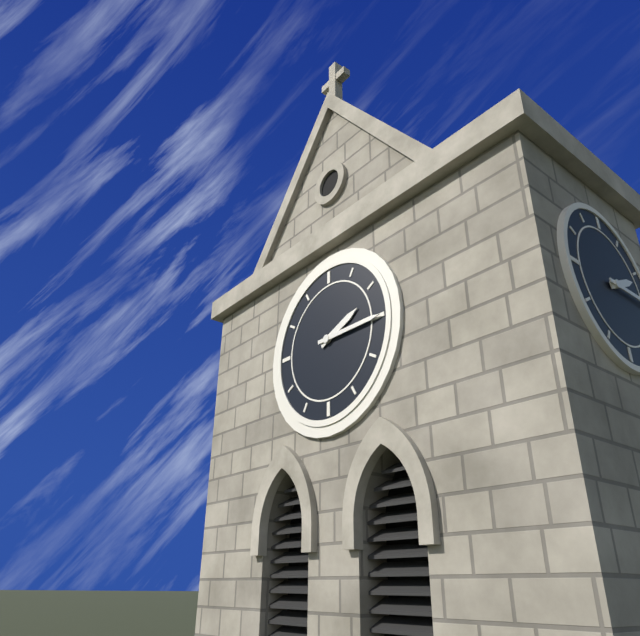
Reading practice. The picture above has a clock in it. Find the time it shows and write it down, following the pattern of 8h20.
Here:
2h15
